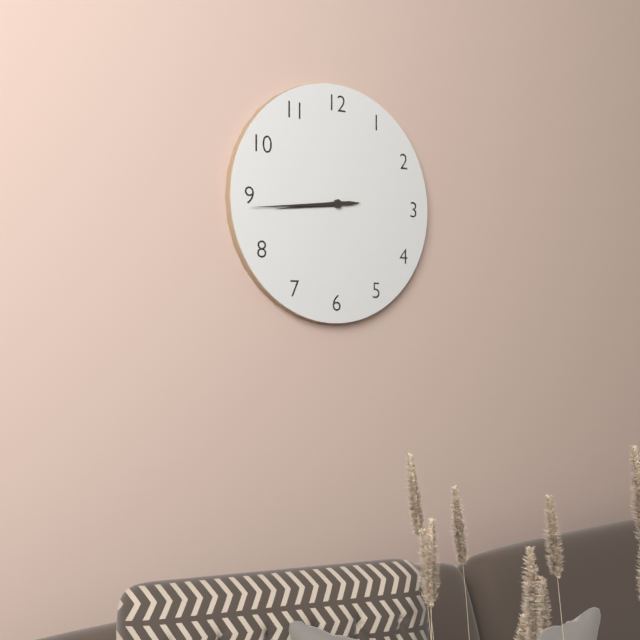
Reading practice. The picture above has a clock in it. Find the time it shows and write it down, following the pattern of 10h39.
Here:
8h44
